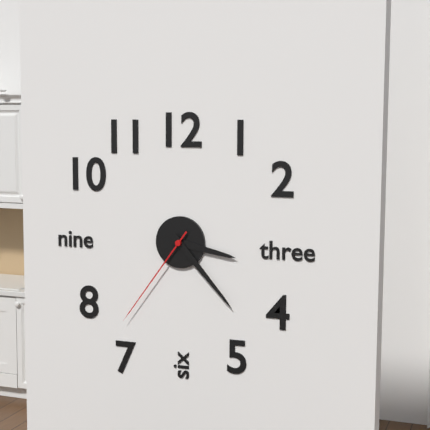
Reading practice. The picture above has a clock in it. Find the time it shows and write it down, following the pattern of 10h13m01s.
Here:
3h23m36s
